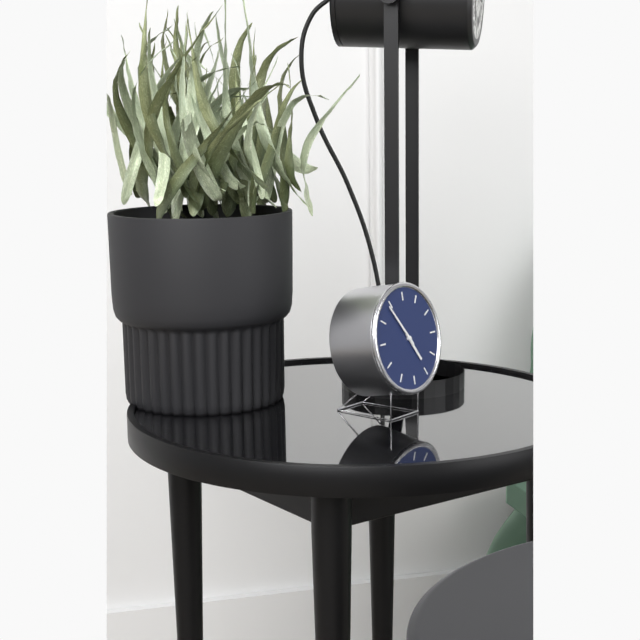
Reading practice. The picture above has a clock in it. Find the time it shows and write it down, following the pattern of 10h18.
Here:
4h54
